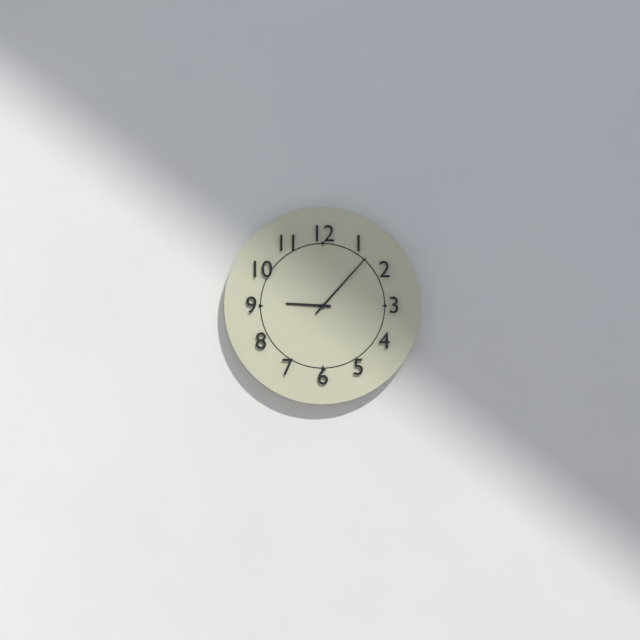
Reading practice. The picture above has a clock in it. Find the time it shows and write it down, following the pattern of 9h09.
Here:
9h07
